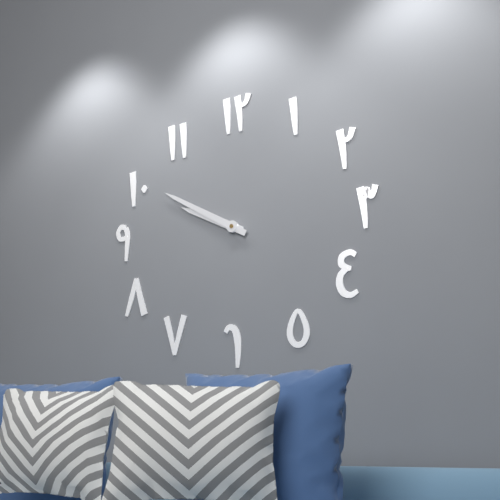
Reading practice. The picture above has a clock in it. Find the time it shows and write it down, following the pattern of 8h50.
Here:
9h50
